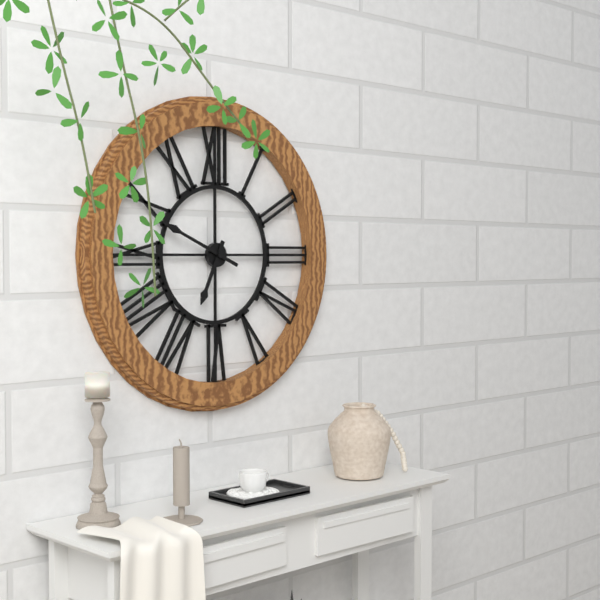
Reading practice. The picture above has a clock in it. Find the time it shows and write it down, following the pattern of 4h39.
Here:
6h49
